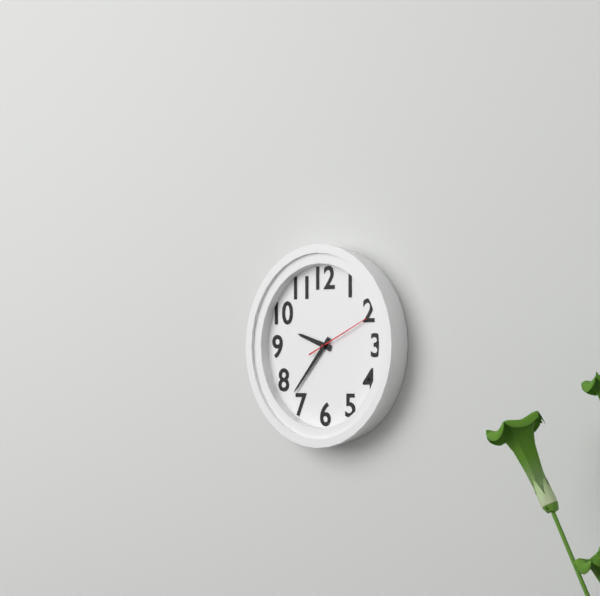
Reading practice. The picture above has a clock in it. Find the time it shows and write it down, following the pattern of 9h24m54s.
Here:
9h37m11s
